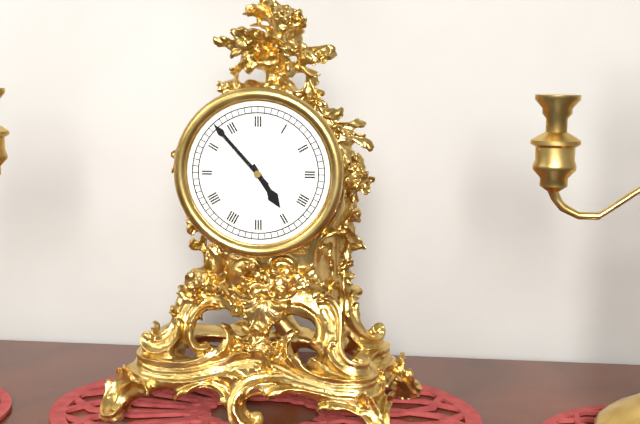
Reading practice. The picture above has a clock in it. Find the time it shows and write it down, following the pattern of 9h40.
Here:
4h53
